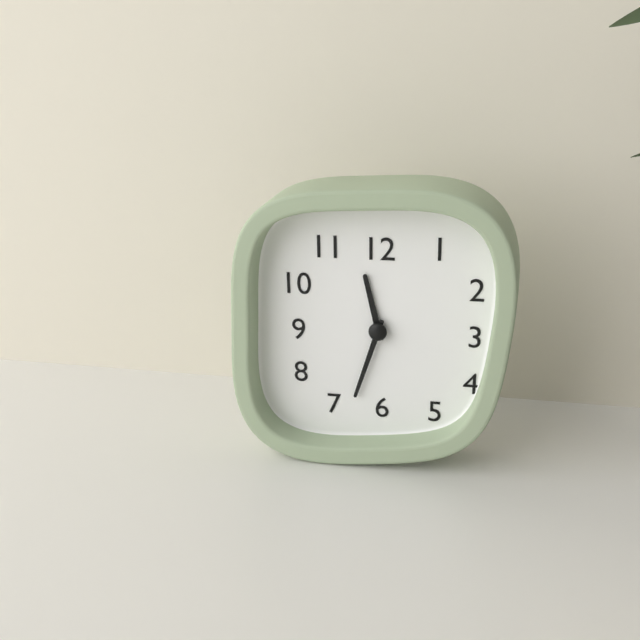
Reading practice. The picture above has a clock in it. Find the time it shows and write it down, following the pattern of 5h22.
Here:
11h33
